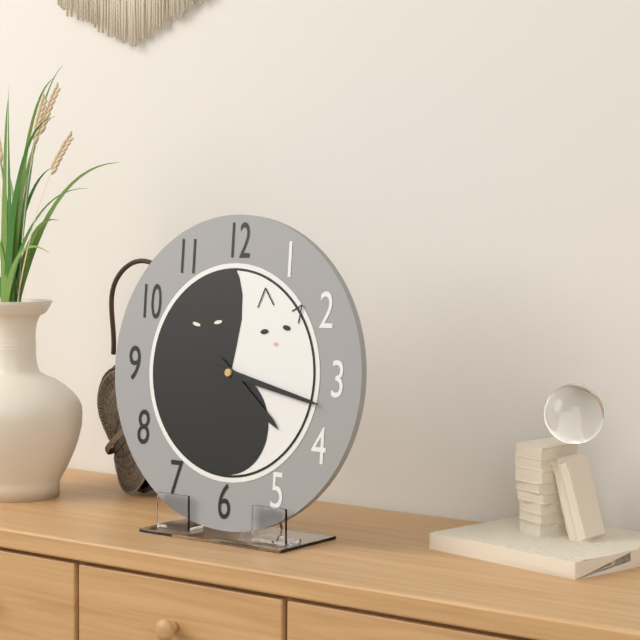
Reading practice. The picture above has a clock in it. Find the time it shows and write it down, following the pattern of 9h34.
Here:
4h17
